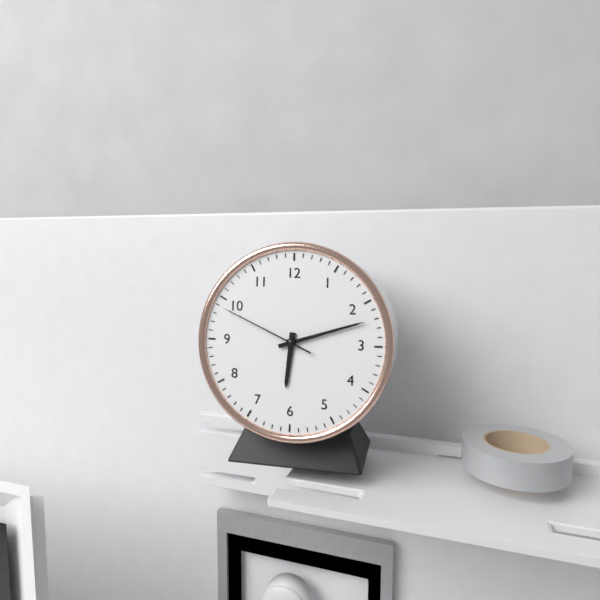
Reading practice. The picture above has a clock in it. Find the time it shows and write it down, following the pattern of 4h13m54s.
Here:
6h12m49s
